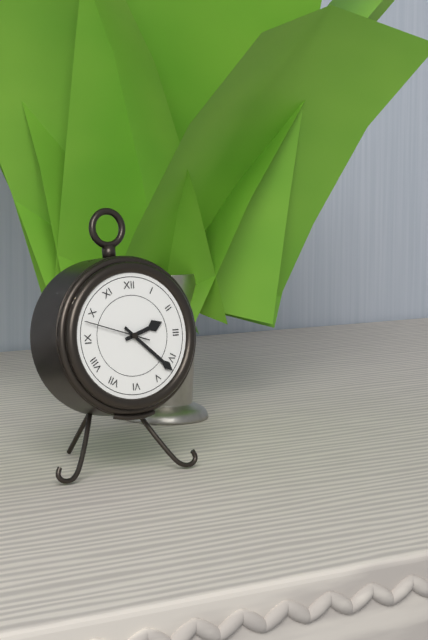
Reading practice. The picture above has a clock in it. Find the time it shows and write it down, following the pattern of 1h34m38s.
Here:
2h22m48s
